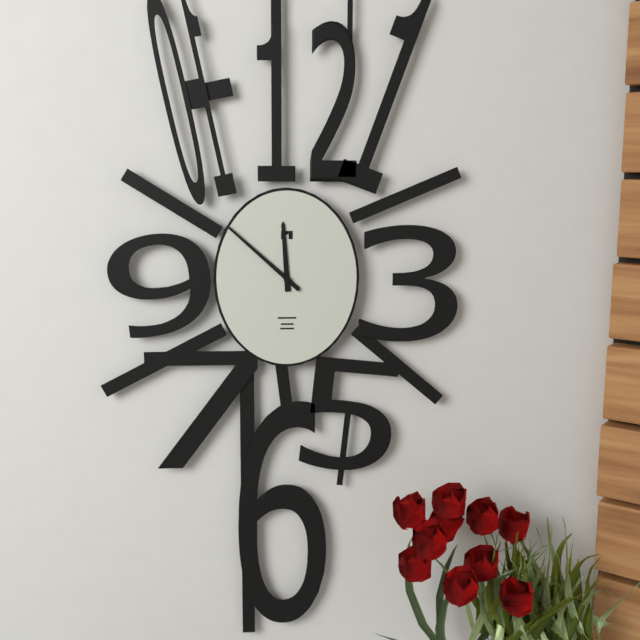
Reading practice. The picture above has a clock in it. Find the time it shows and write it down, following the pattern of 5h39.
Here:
11h52
